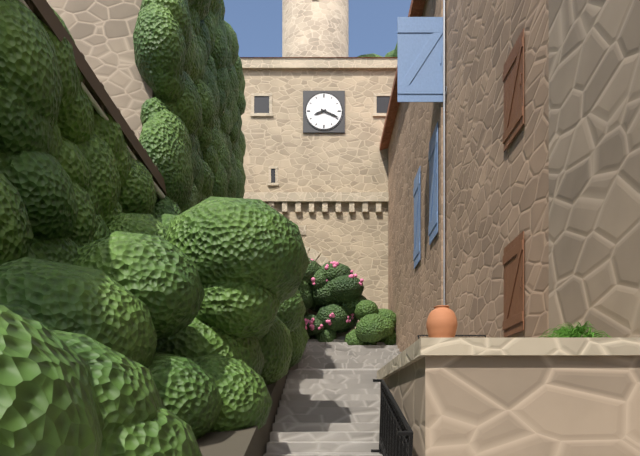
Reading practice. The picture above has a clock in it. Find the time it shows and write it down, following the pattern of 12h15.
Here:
8h19
